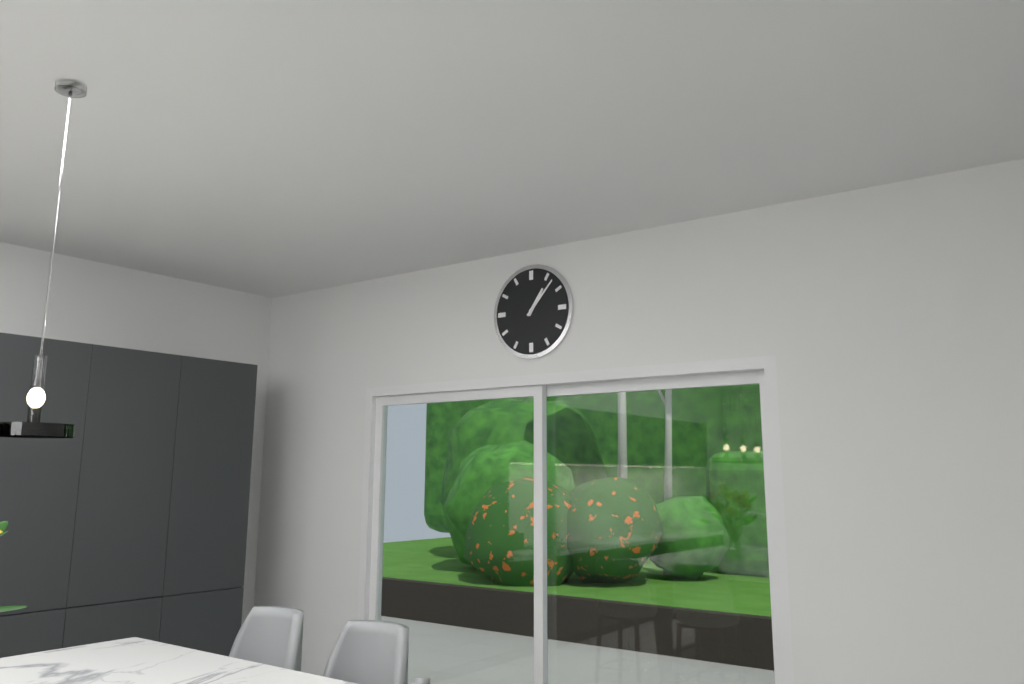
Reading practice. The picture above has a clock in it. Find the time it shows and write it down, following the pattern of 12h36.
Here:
1h07
